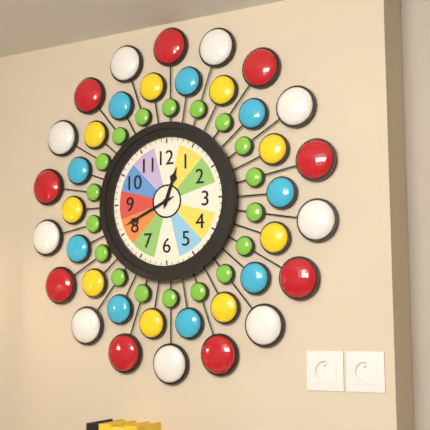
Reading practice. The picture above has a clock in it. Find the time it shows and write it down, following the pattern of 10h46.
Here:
12h41
